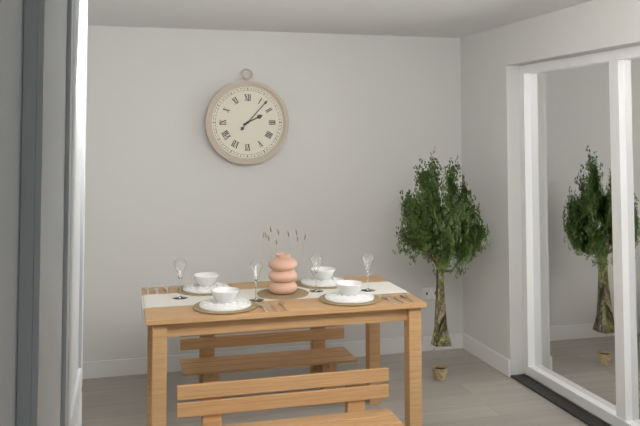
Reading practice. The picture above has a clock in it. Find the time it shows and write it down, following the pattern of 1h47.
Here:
2h07
